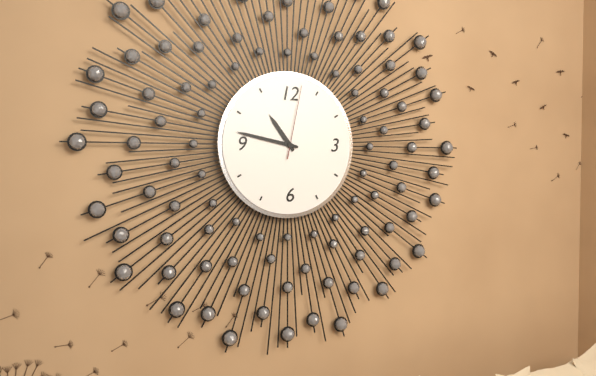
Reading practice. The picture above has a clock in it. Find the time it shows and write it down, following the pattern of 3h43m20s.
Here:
10h47m02s
